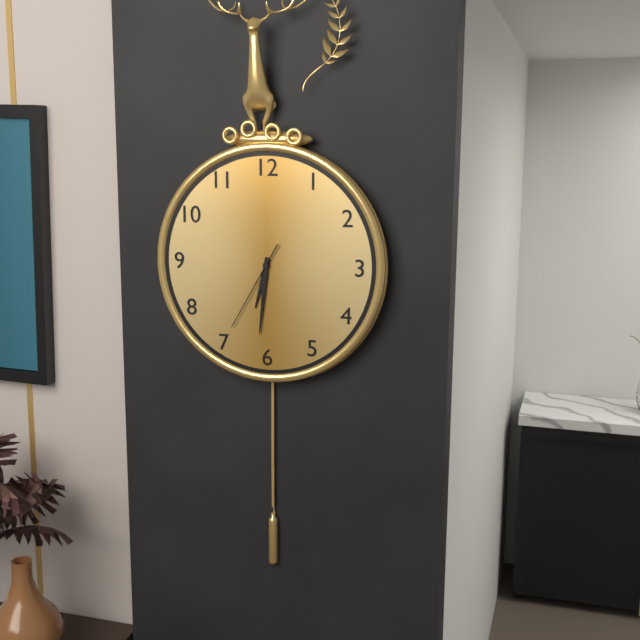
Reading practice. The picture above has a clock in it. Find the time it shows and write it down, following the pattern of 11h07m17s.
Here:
6h31m35s
